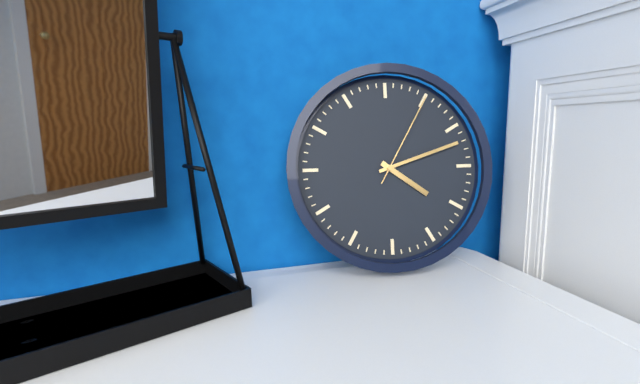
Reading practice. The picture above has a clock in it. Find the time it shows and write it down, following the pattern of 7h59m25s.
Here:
4h12m05s
